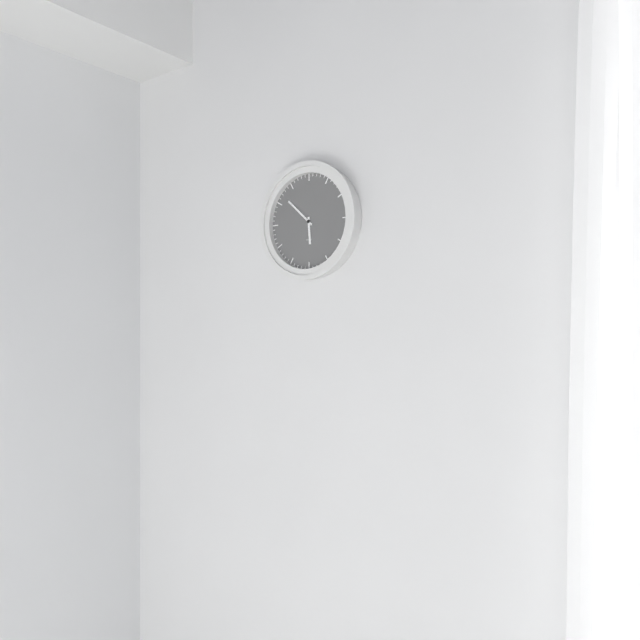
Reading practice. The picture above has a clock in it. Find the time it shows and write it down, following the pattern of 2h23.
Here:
5h52
